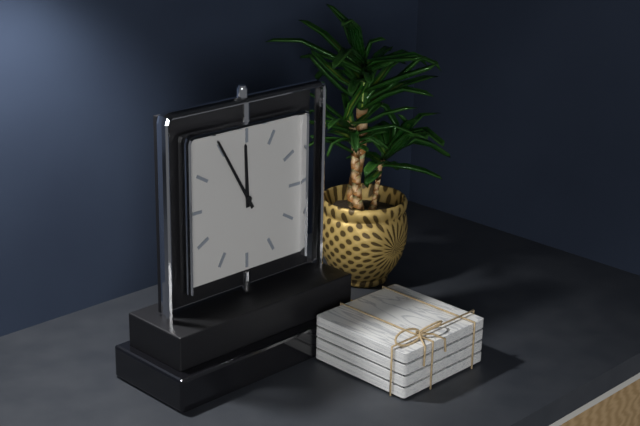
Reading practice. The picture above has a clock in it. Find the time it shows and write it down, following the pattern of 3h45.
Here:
11h55
